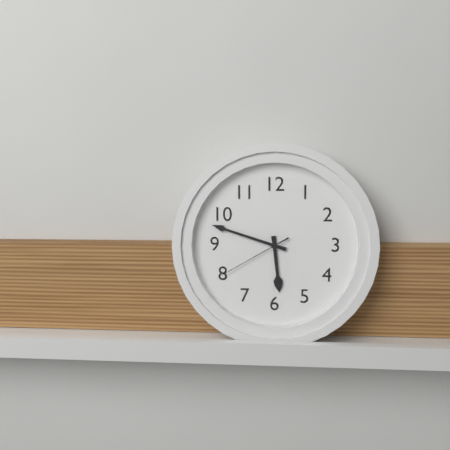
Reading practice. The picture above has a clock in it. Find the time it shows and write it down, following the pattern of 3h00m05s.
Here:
5h48m40s
